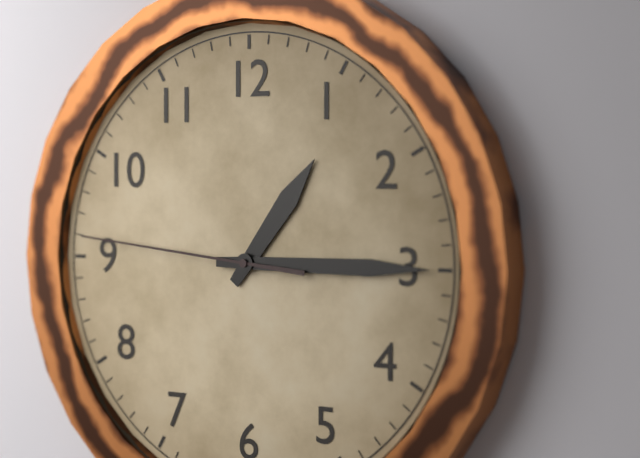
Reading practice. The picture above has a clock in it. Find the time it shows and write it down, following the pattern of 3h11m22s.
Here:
1h15m46s
